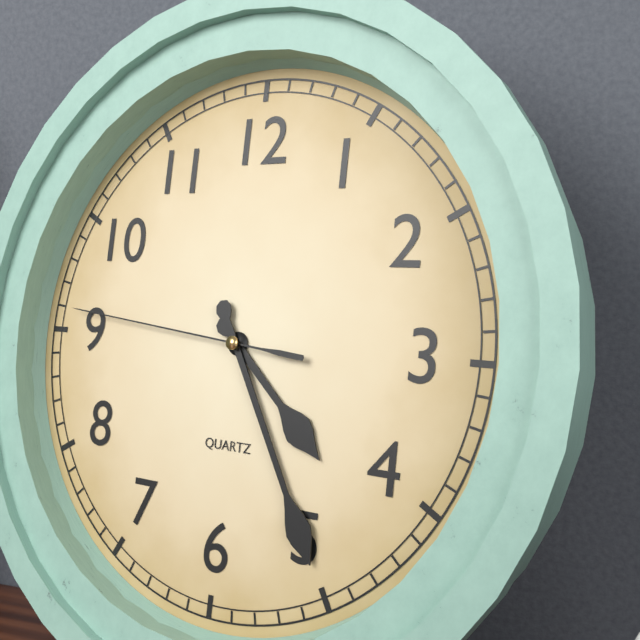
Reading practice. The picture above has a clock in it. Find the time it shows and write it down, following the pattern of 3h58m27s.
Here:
4h25m46s
